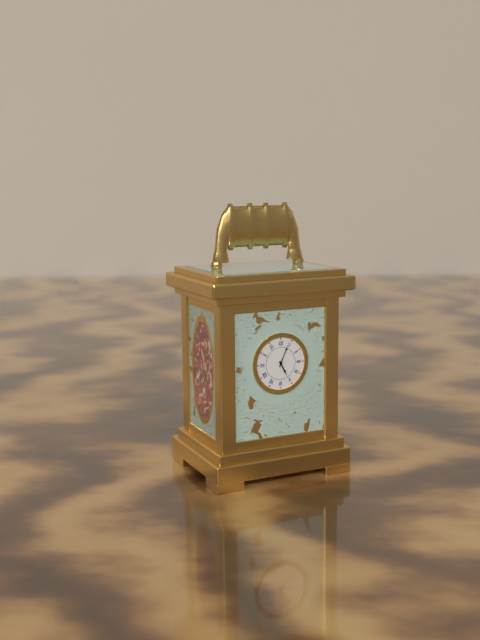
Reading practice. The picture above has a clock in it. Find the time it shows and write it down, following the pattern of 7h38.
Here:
5h04
